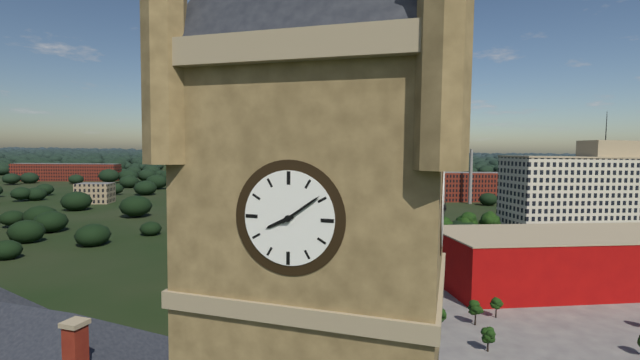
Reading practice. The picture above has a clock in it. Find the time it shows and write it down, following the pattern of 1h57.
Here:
8h09
